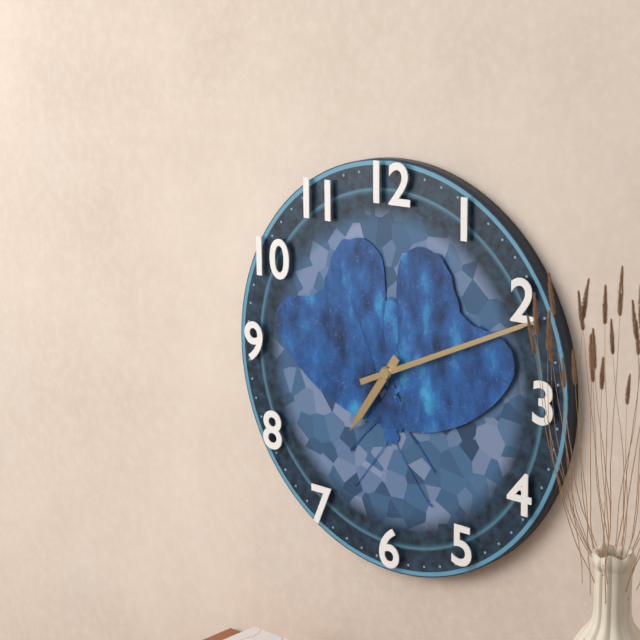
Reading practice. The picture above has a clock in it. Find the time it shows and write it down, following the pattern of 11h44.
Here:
7h11
